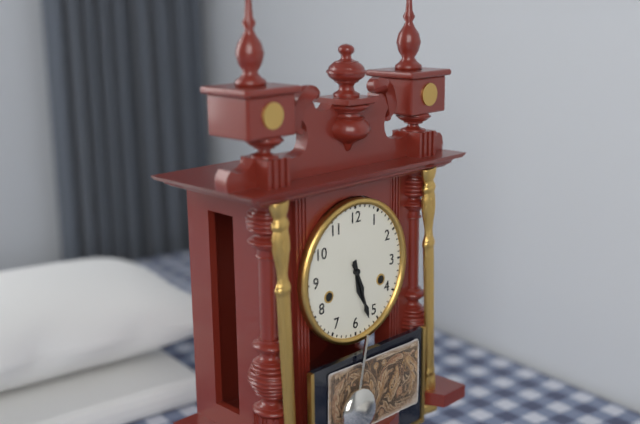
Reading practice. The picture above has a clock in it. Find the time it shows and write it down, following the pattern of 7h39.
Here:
5h27
